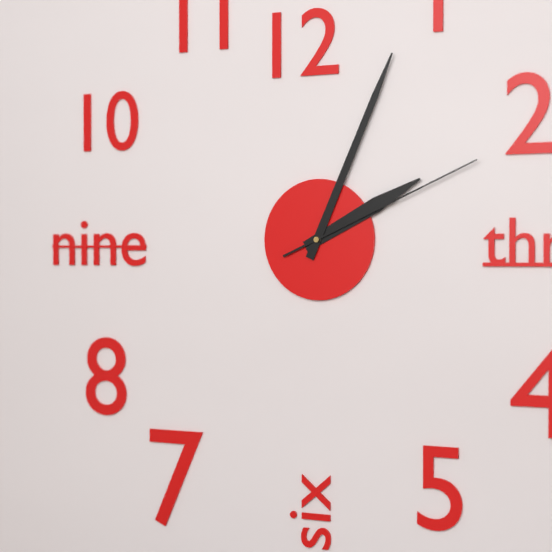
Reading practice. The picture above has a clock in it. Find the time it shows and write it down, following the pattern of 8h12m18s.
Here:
2h04m11s
